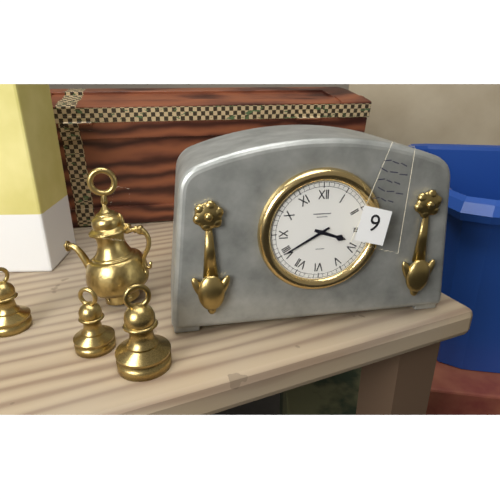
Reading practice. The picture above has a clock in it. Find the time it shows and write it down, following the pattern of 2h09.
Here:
3h40
